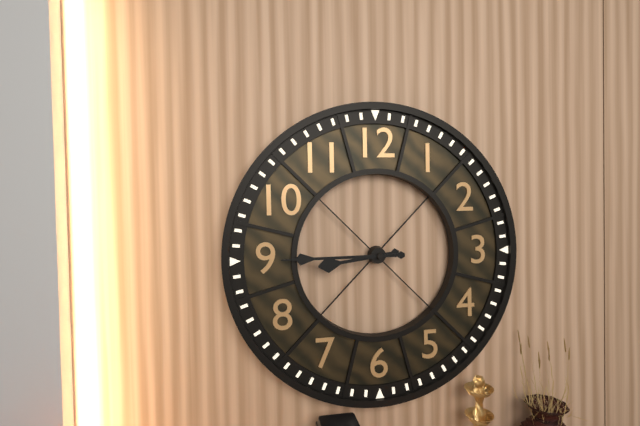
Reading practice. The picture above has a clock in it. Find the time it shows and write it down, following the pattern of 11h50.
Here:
8h45
